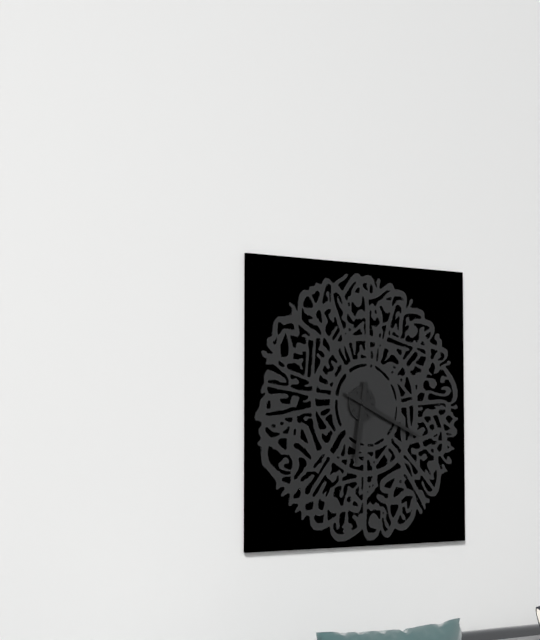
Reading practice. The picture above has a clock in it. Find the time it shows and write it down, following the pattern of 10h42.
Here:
6h19
